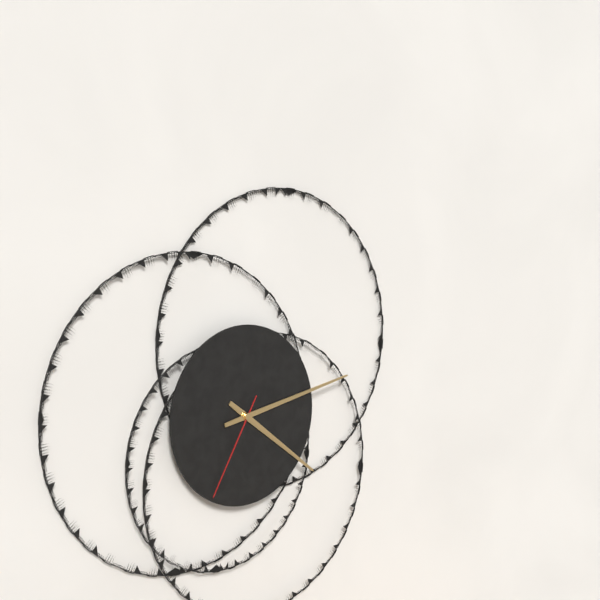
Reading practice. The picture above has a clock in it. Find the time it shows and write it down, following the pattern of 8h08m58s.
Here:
4h13m35s
